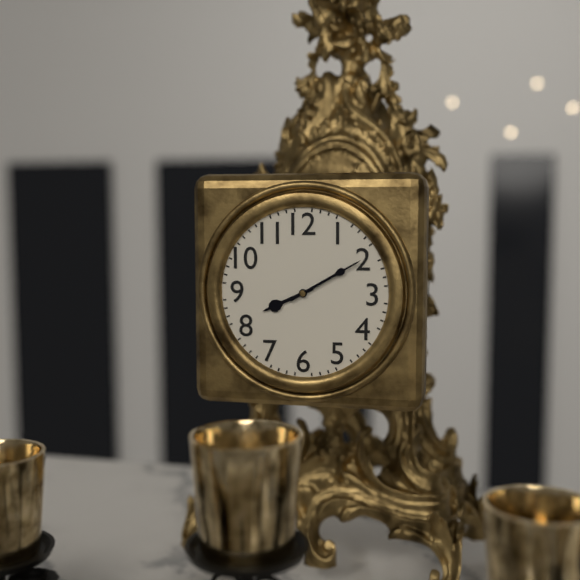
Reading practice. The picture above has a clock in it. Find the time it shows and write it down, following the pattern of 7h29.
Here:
8h10
